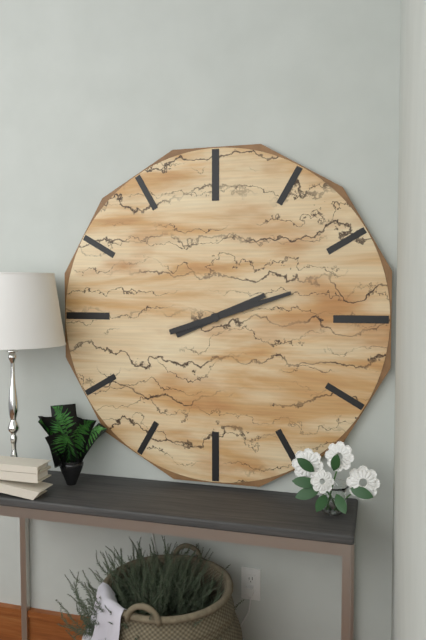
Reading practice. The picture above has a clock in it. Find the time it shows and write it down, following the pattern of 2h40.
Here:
2h12
